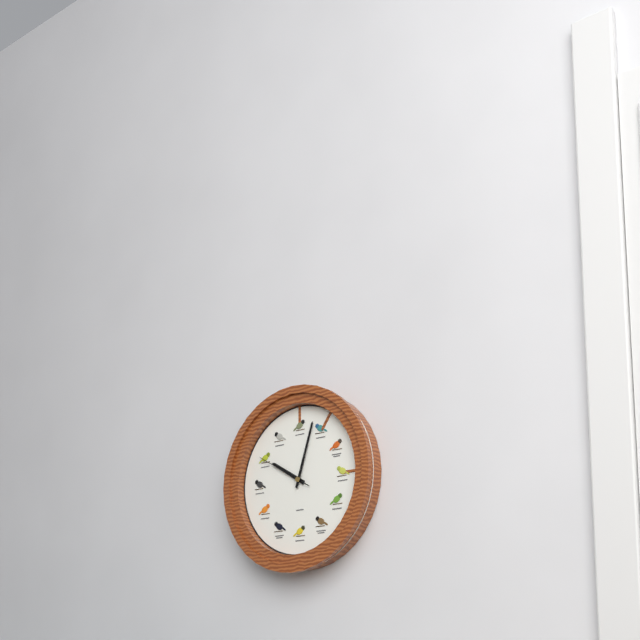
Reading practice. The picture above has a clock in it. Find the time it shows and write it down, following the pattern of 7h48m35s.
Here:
10h03m50s
